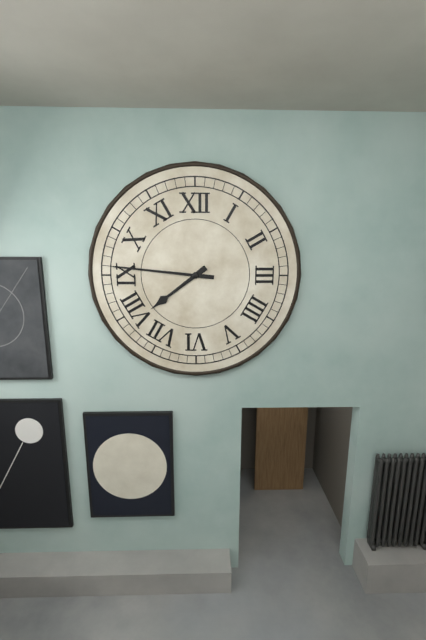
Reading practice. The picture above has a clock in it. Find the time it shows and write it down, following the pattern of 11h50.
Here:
7h46
